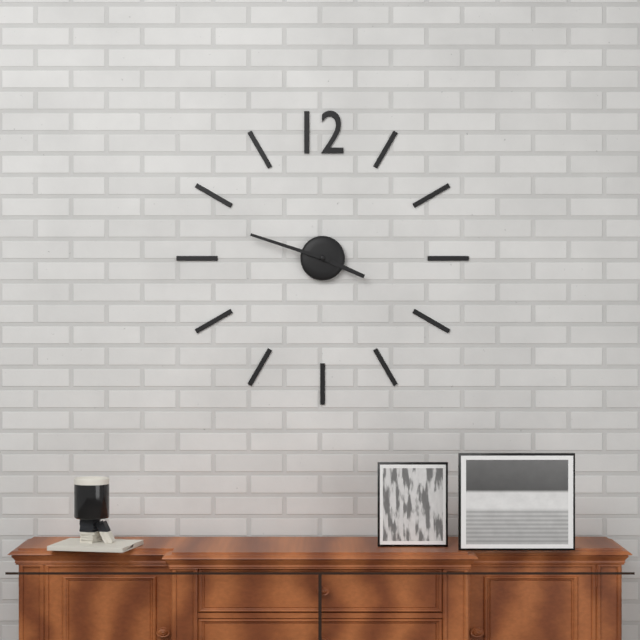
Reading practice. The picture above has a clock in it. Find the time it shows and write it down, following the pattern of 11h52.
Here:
3h48
